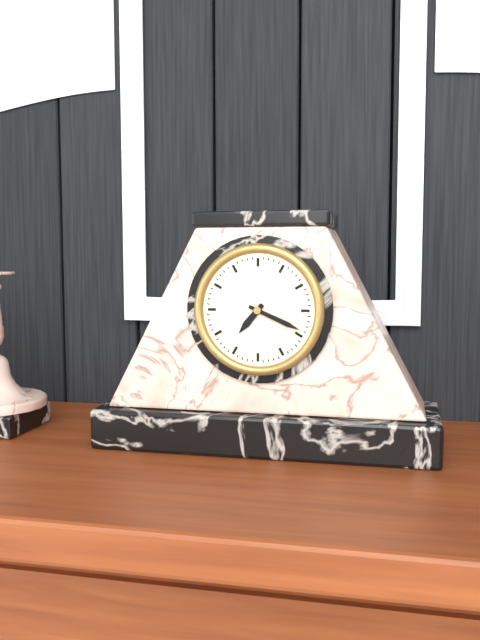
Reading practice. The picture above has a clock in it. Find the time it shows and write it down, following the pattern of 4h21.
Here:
7h19
